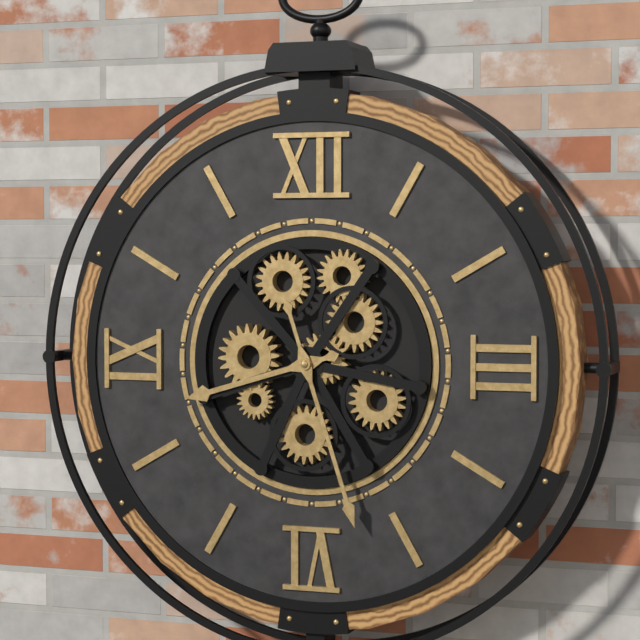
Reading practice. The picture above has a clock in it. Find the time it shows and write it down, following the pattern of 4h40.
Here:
8h27
